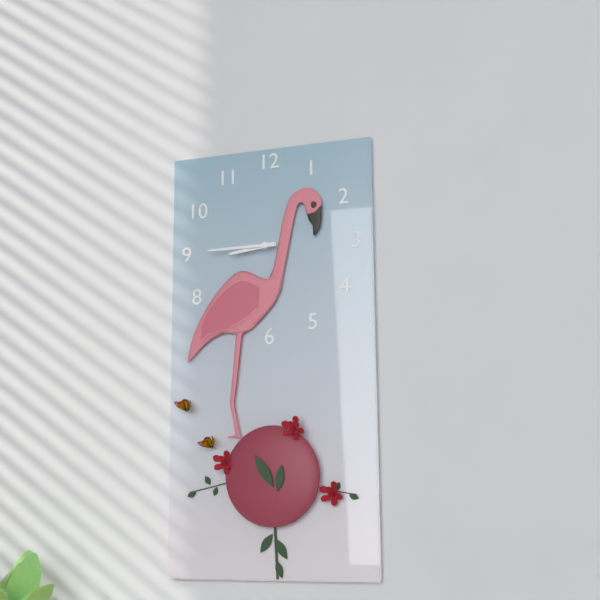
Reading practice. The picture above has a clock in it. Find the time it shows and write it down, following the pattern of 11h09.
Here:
8h45
